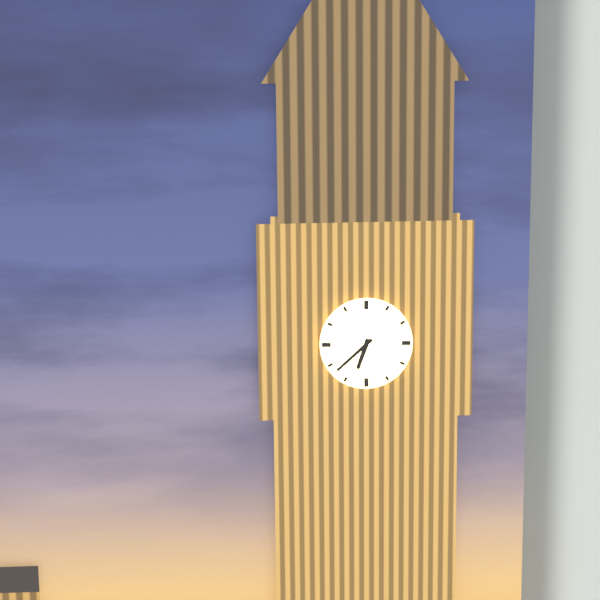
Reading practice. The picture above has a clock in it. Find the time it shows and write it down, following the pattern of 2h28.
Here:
6h38
